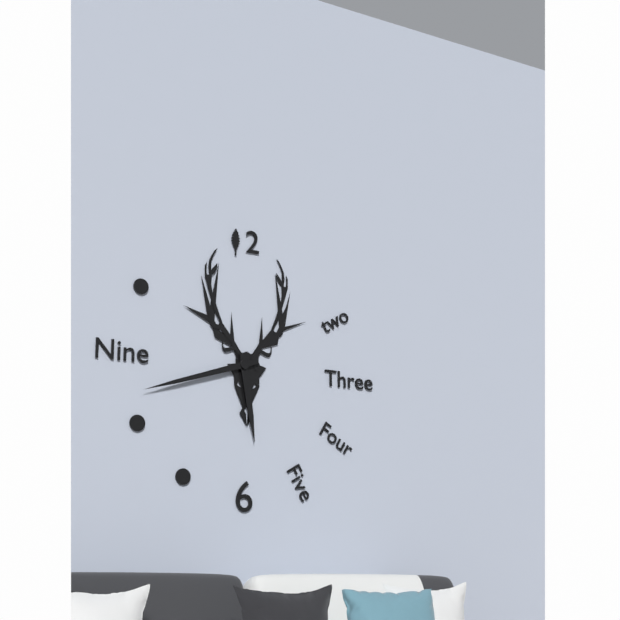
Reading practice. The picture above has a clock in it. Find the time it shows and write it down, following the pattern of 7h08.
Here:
5h42
